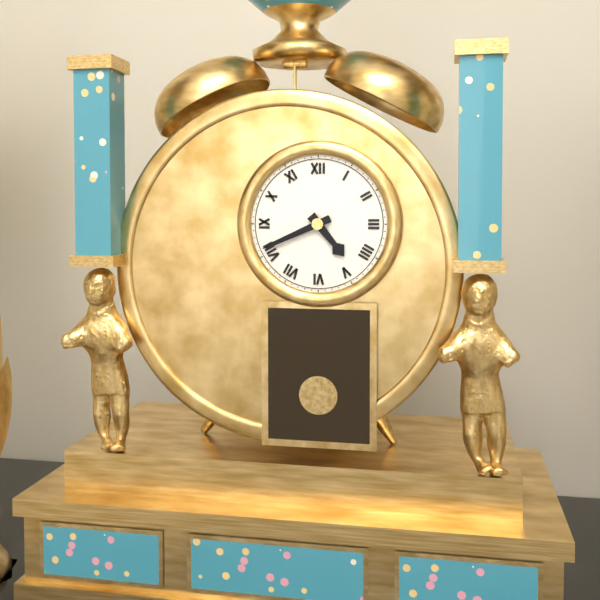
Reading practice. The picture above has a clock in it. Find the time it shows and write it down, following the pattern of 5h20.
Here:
4h41
